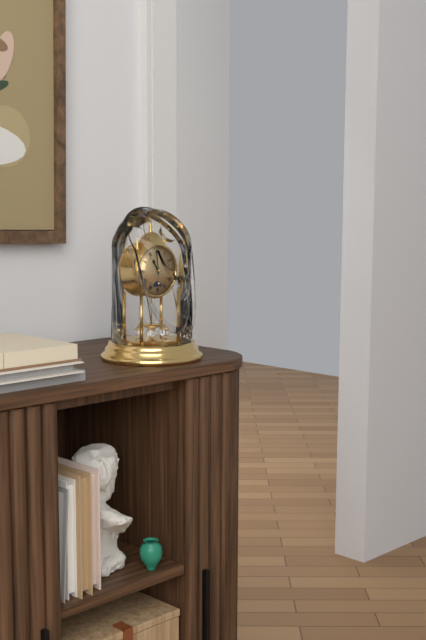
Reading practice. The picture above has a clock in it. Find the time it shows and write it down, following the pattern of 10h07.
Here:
10h59
